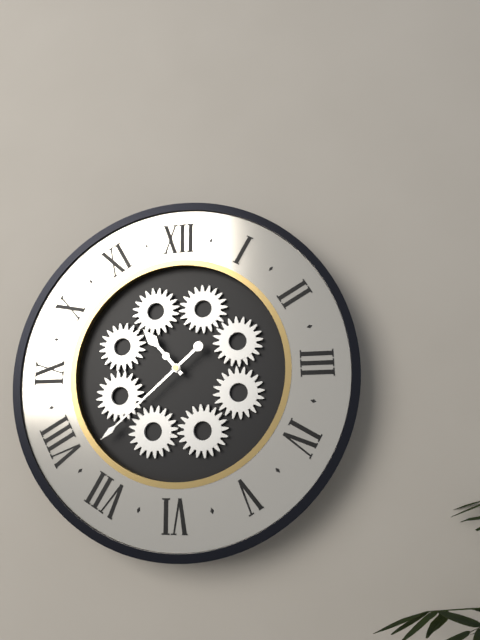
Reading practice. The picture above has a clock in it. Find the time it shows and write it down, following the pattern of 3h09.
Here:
10h38
